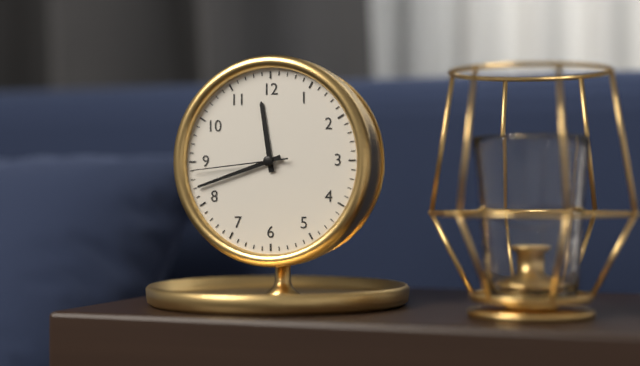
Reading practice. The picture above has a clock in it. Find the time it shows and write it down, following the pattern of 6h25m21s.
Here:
11h42m44s
